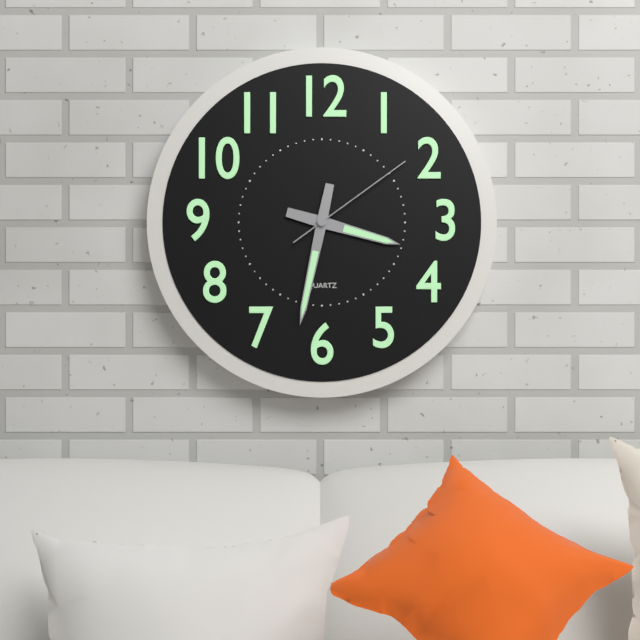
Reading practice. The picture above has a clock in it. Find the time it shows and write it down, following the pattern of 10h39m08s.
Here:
3h32m09s
